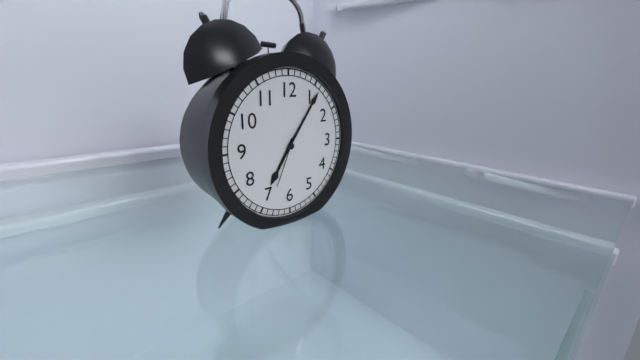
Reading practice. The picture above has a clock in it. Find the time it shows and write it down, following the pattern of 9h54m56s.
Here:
7h06m34s
